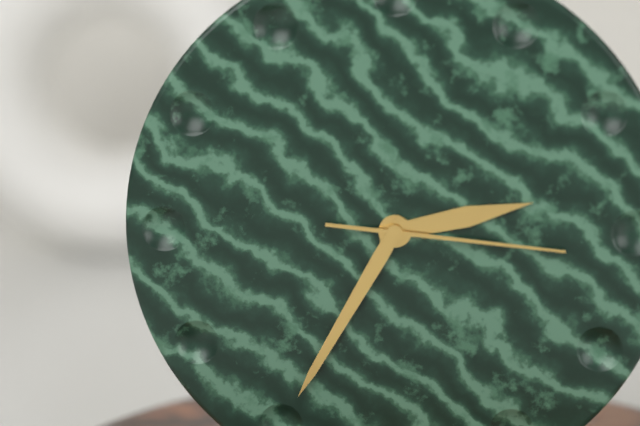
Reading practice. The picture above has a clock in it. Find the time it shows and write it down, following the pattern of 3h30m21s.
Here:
2h35m16s
